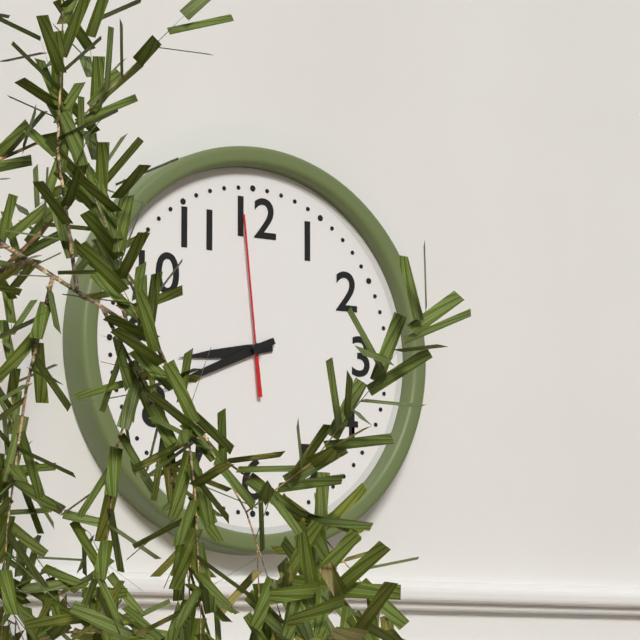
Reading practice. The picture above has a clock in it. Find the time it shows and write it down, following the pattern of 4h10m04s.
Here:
8h41m59s
